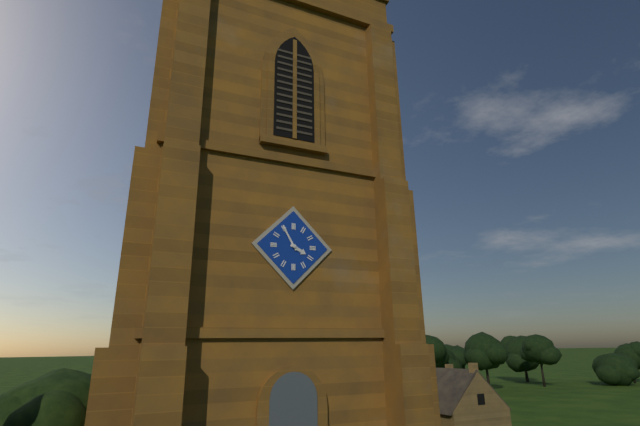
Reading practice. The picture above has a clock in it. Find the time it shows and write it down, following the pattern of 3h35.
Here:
3h55
